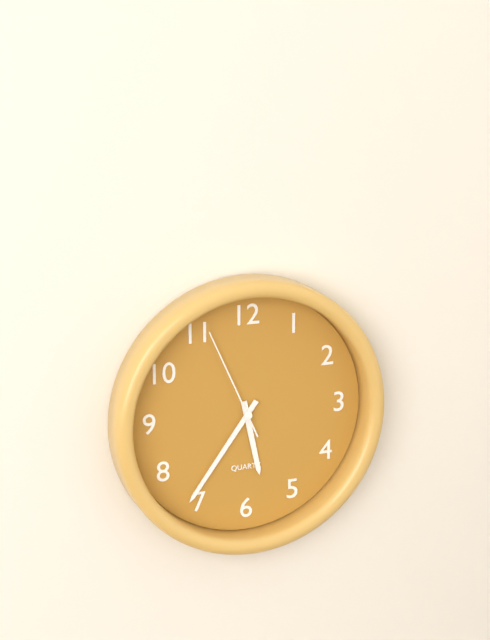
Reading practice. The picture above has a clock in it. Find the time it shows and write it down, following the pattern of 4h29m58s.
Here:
5h36m56s
